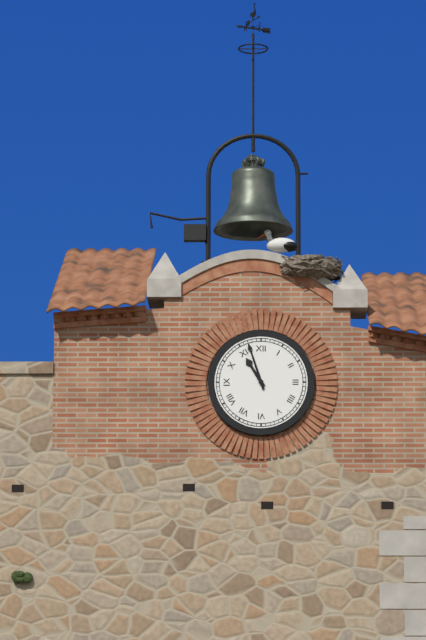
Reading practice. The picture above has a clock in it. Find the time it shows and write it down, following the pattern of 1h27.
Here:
10h57
